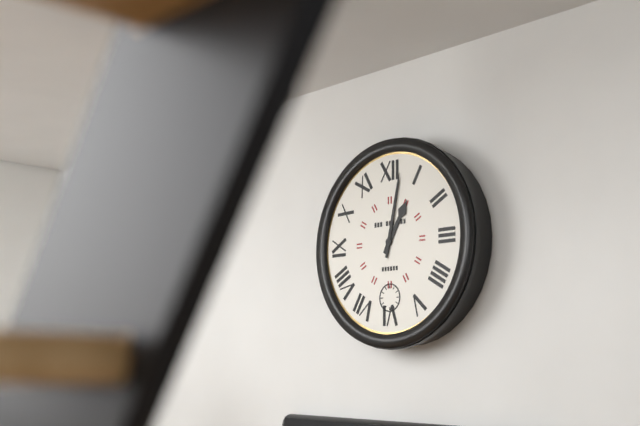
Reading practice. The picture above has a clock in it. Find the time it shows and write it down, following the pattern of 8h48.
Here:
1h02
